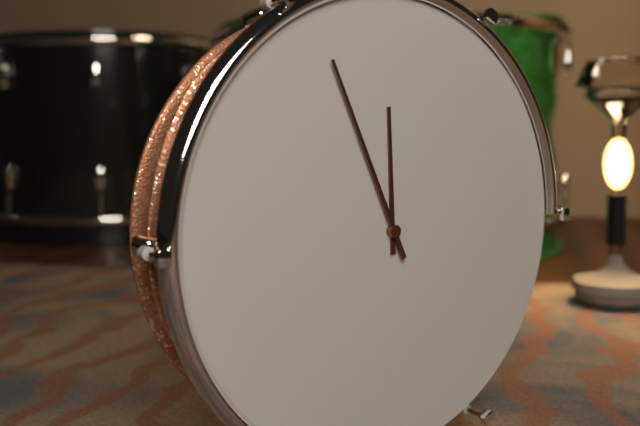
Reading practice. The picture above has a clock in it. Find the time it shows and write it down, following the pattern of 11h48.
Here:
11h56
